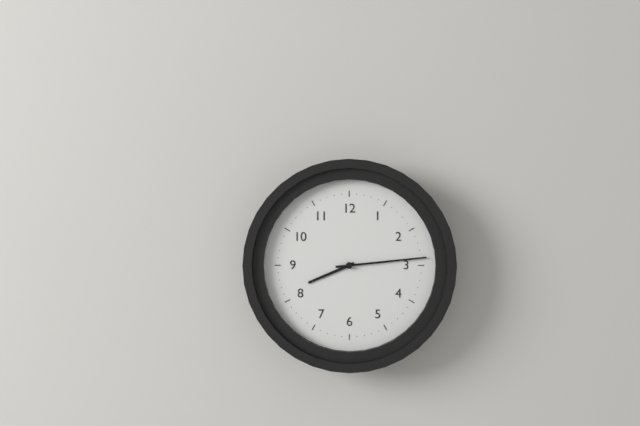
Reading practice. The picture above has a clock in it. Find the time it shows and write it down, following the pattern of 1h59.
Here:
8h14
